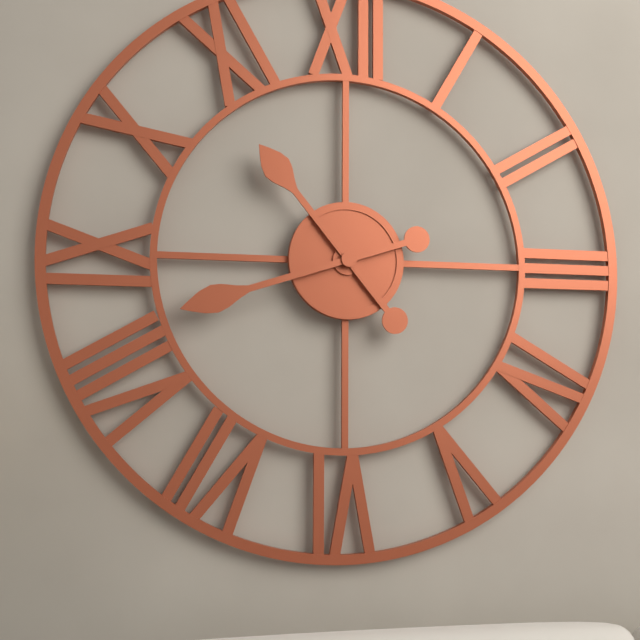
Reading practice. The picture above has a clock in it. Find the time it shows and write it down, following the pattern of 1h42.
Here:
10h42
